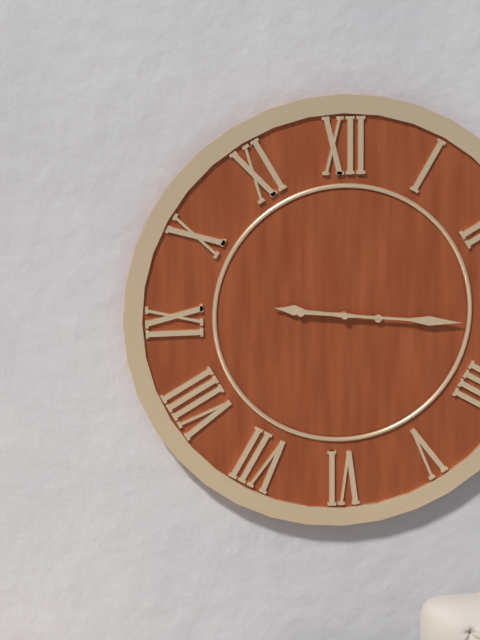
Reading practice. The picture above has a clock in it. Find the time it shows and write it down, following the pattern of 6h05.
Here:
9h16
